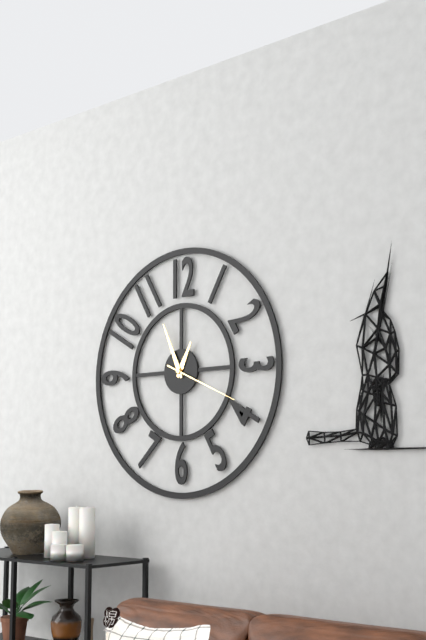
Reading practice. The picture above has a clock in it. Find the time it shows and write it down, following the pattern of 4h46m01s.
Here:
12h56m19s
